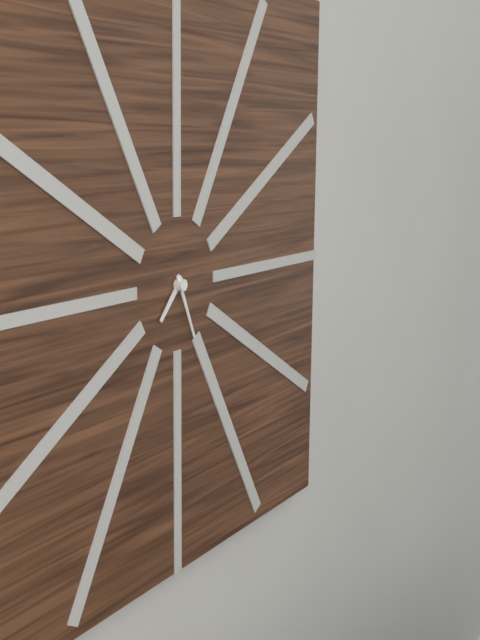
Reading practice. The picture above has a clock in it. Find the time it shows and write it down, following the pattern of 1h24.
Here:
7h26
